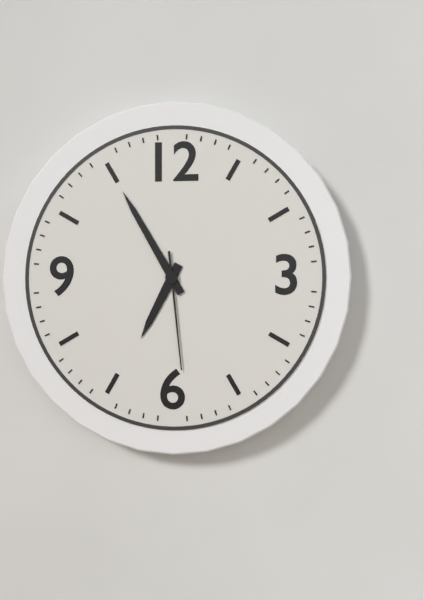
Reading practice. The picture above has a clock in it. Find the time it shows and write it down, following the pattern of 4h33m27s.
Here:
6h55m29s
